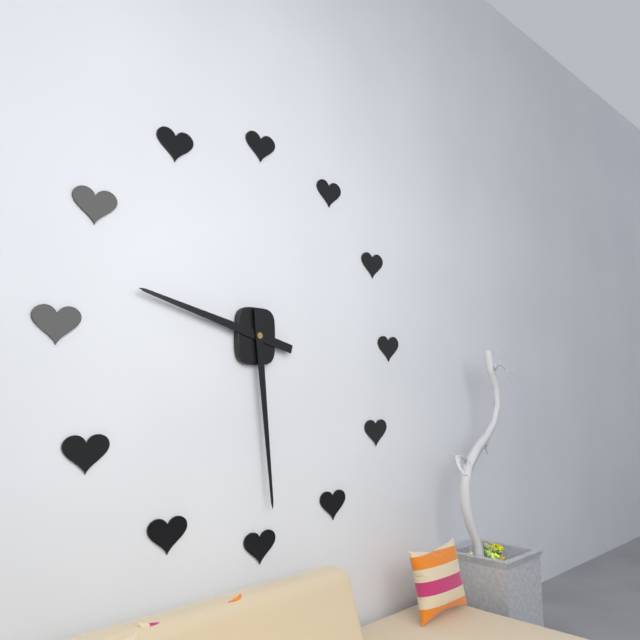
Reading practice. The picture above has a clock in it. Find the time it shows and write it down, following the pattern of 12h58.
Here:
9h29
